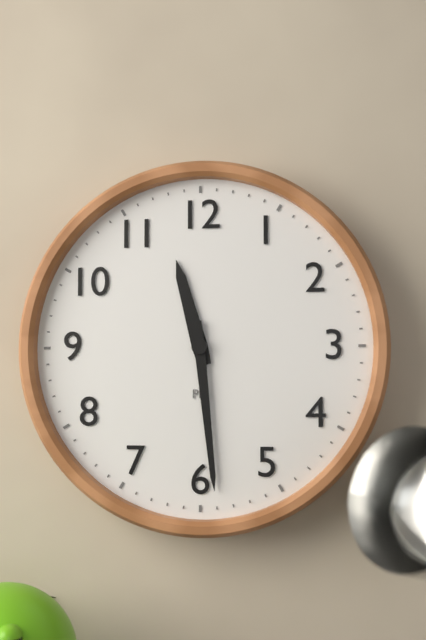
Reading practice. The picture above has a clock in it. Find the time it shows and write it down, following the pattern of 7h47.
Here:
11h29
